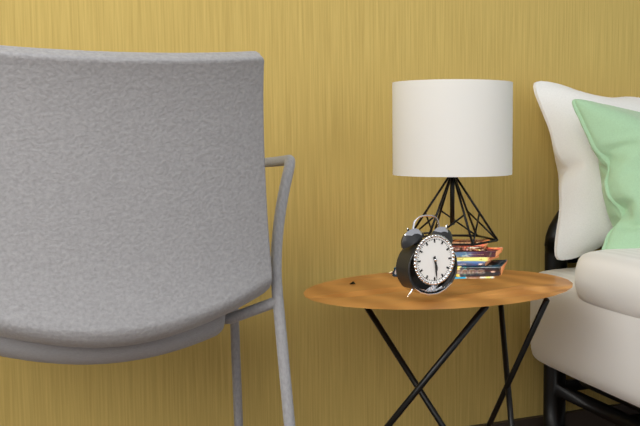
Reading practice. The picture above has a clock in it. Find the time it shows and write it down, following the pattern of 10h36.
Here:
5h29
